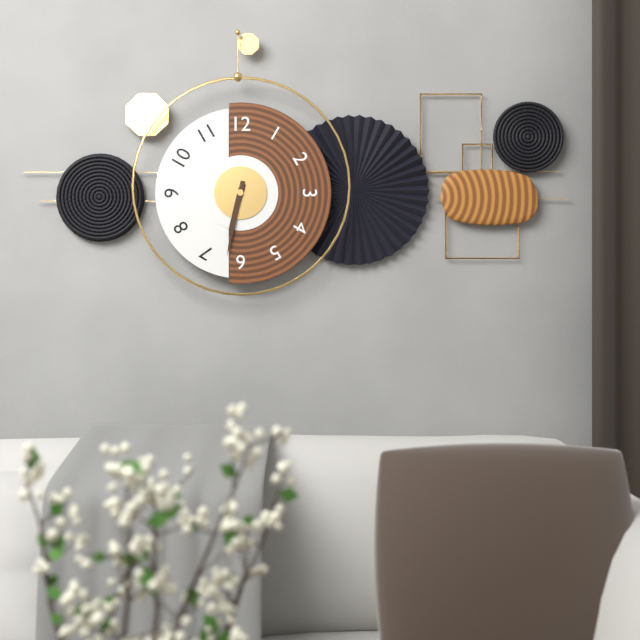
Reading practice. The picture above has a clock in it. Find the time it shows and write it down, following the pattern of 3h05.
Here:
6h32
